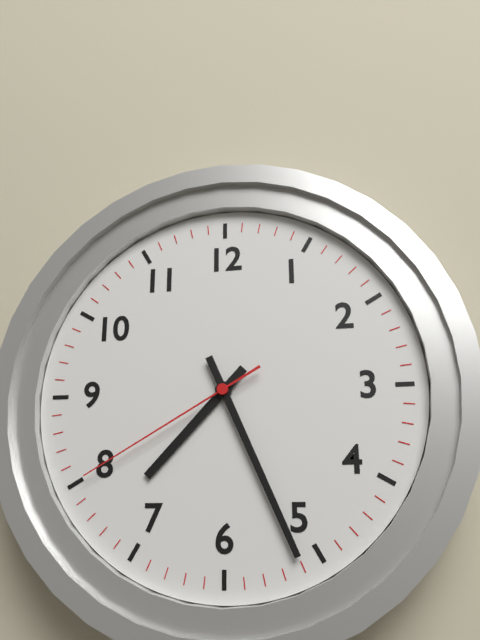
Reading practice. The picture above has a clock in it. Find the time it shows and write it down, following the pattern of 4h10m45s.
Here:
7h26m40s
